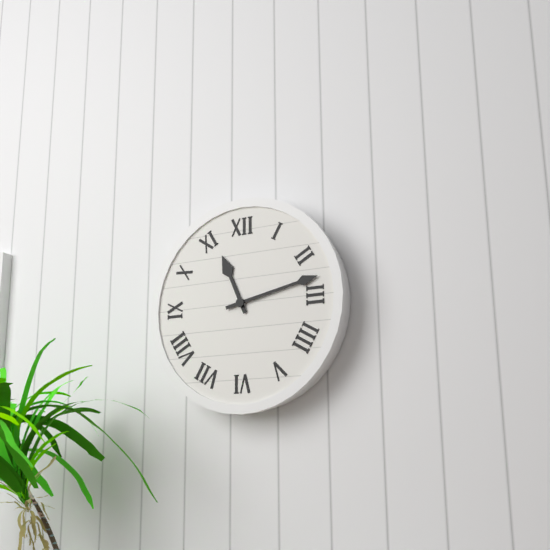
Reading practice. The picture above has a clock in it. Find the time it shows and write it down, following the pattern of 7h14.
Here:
11h13
